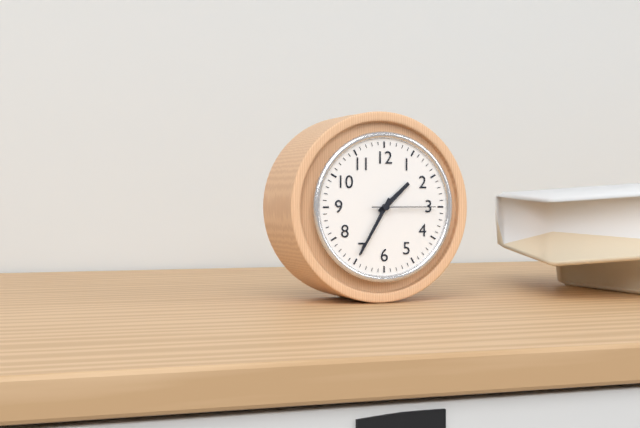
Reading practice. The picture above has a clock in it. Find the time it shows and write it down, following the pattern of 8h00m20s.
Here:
1h35m15s
